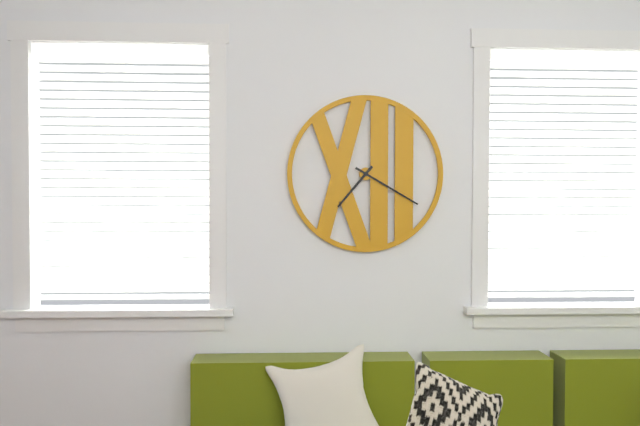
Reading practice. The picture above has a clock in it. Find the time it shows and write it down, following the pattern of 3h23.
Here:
7h20
